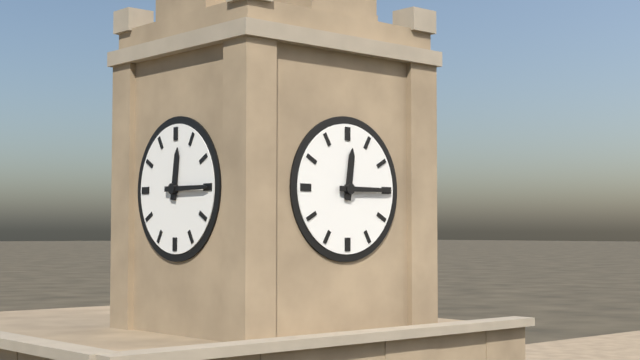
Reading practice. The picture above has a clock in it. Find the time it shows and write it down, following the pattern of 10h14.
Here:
12h15
